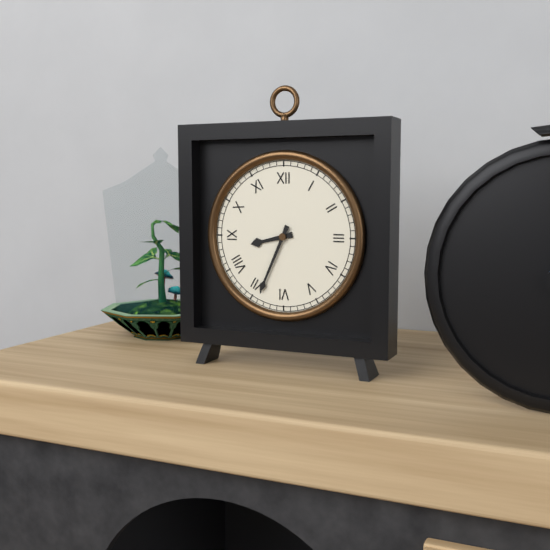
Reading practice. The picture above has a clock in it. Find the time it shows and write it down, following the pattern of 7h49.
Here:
8h34
